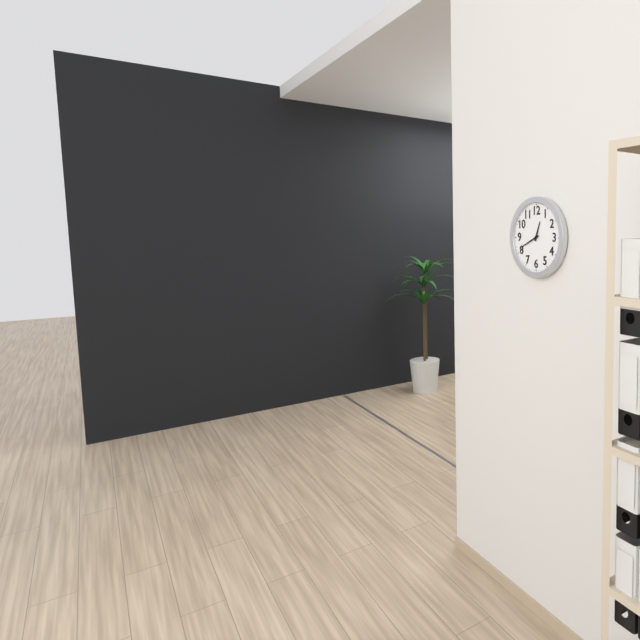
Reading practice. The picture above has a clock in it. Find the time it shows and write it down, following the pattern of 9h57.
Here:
12h41
